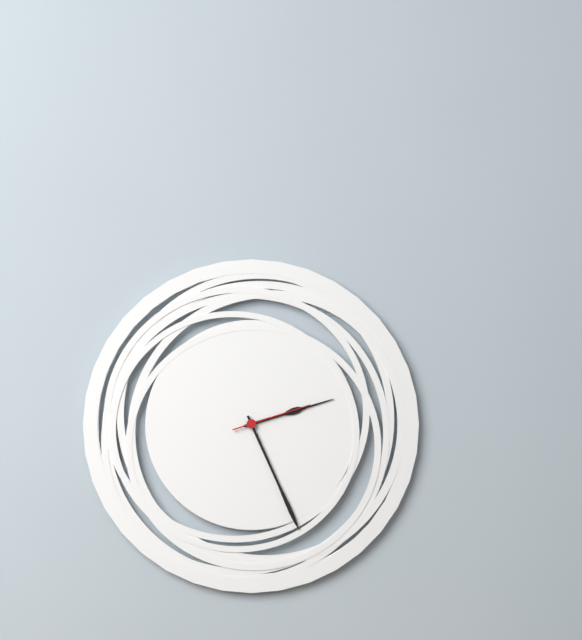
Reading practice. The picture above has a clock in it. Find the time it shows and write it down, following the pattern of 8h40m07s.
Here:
2h26m12s
